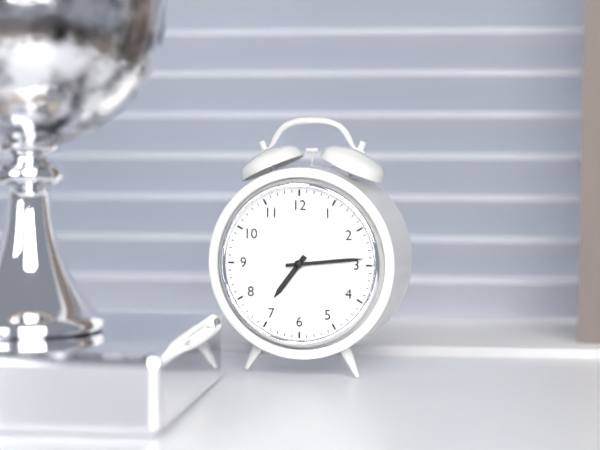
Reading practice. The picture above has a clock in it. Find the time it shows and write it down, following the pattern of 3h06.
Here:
7h14
